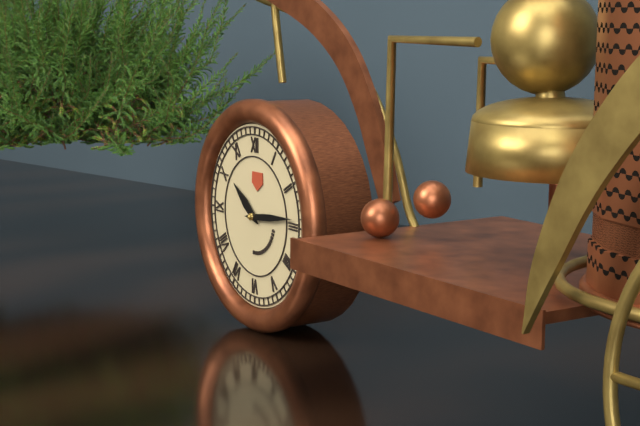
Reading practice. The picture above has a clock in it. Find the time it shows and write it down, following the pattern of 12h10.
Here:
10h14
